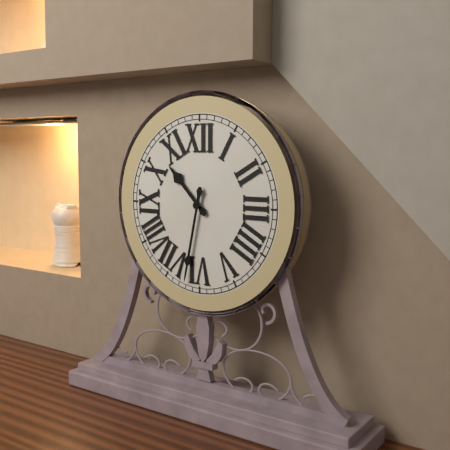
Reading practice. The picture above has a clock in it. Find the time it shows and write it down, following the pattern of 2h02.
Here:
10h32
